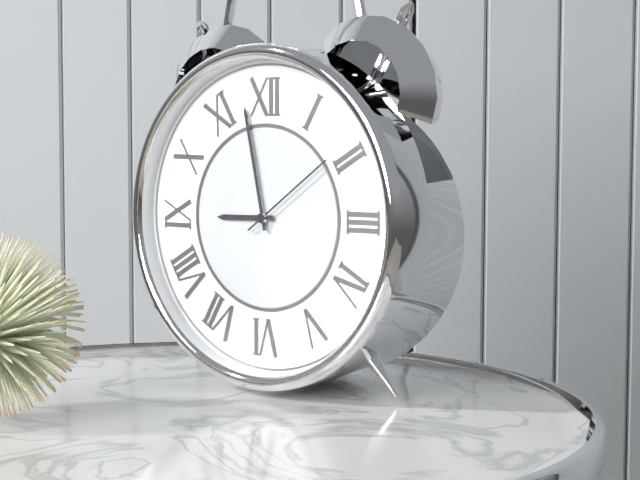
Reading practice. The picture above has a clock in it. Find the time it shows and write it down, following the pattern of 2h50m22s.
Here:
8h58m09s
